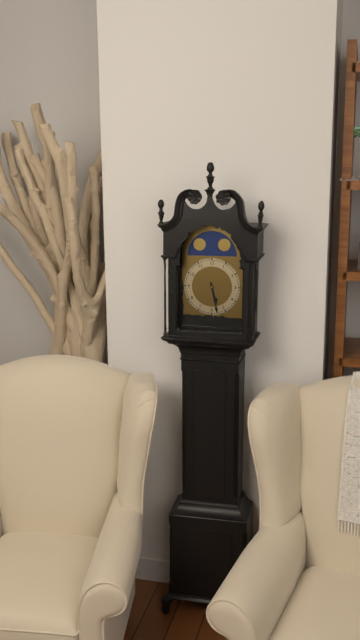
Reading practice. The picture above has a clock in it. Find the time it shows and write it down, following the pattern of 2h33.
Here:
5h28
